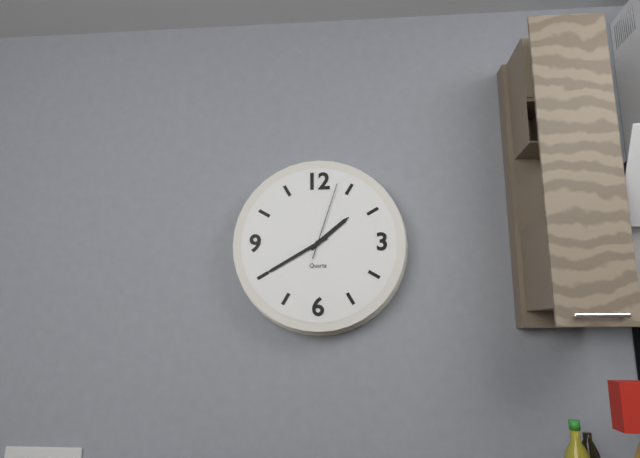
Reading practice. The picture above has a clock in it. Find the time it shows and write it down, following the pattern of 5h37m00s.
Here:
1h40m03s
